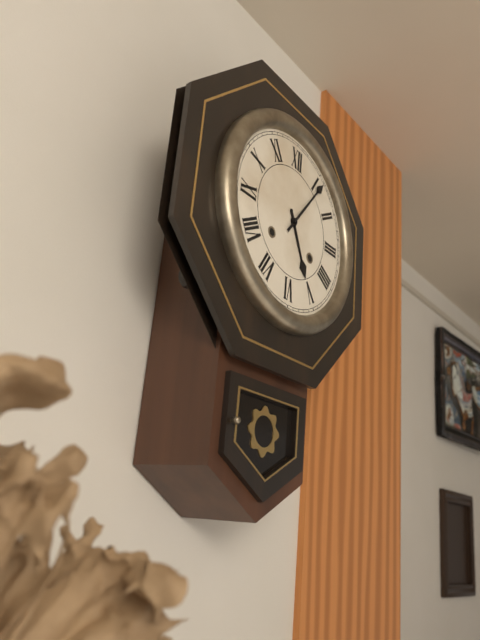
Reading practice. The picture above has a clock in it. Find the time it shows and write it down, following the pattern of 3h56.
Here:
5h06
